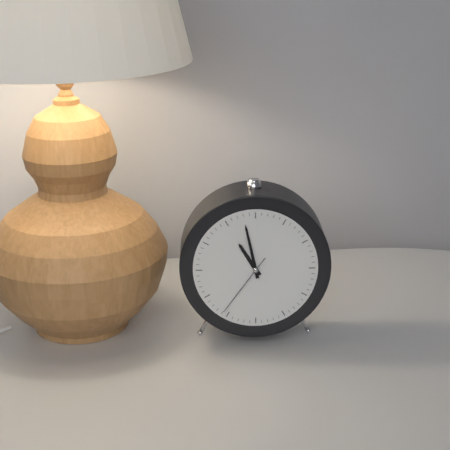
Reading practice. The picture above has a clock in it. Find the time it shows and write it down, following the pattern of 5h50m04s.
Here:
10h58m36s
